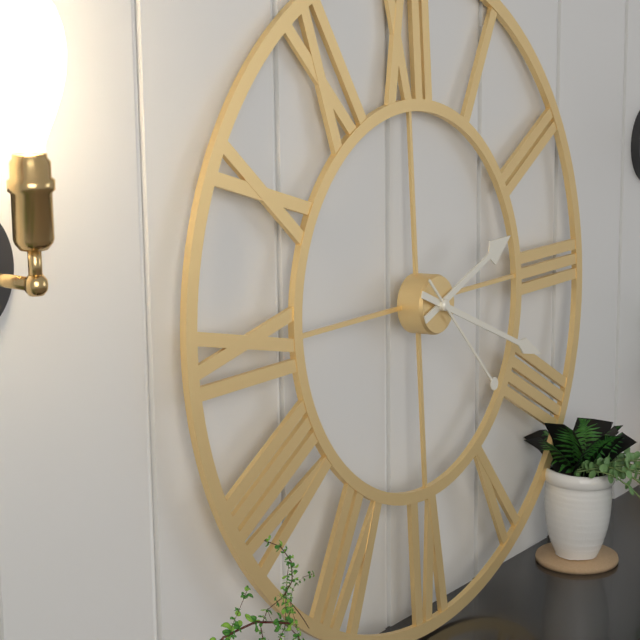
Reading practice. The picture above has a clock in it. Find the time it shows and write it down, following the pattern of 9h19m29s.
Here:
2h19m23s
